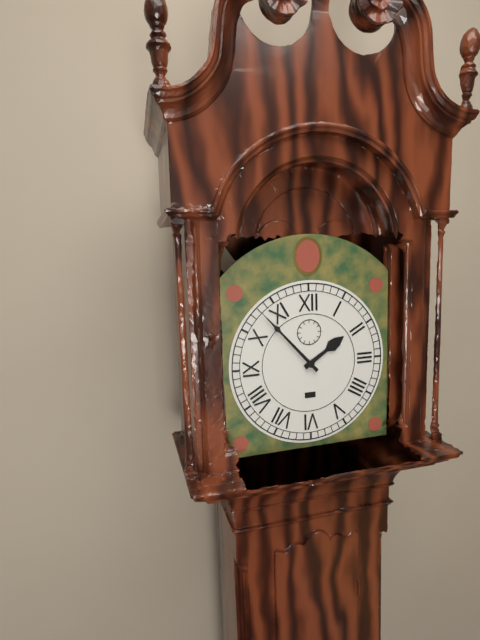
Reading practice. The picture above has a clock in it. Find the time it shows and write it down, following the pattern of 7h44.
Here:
1h53
